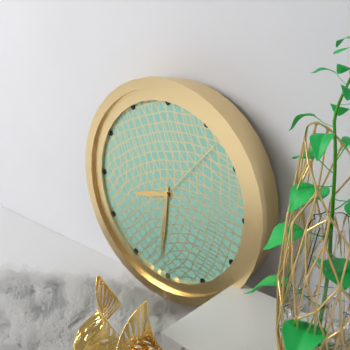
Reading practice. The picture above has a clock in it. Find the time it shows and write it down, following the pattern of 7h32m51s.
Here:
8h31m07s
